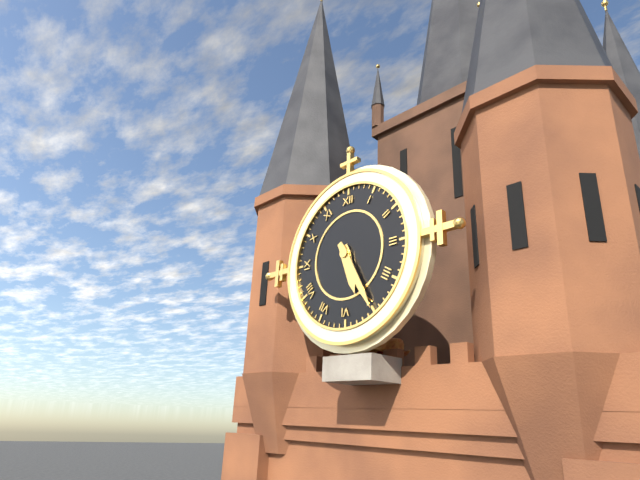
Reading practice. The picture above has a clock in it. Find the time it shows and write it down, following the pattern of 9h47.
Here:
5h25
